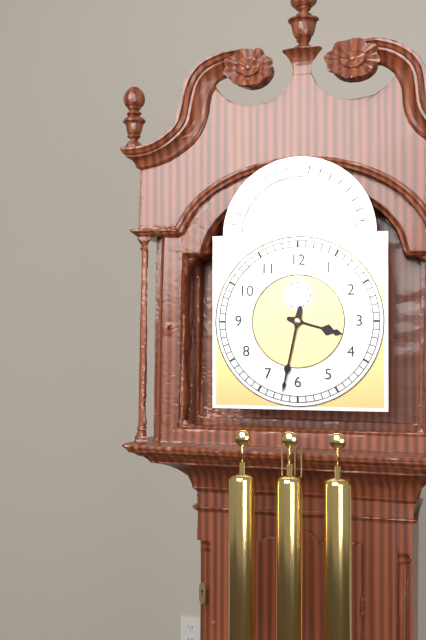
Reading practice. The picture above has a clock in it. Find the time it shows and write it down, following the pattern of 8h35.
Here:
3h32
